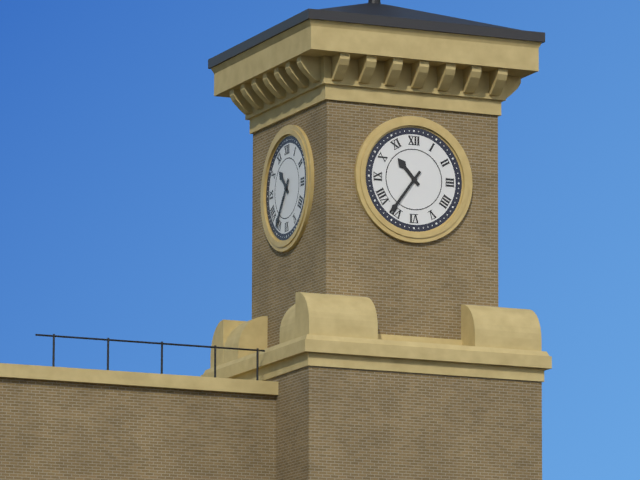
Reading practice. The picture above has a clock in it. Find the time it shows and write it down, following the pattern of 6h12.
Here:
10h36
